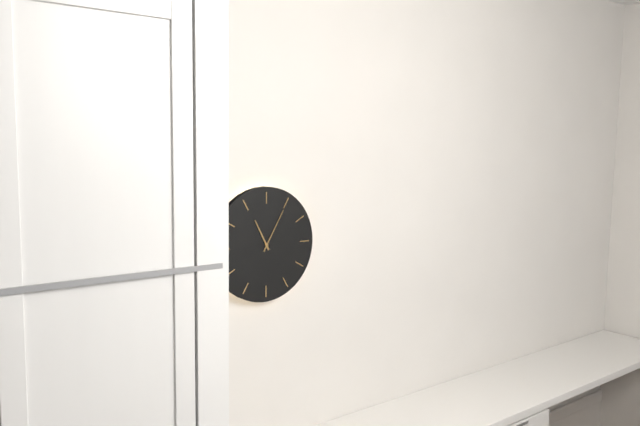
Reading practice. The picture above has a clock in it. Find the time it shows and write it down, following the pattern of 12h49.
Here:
11h05
